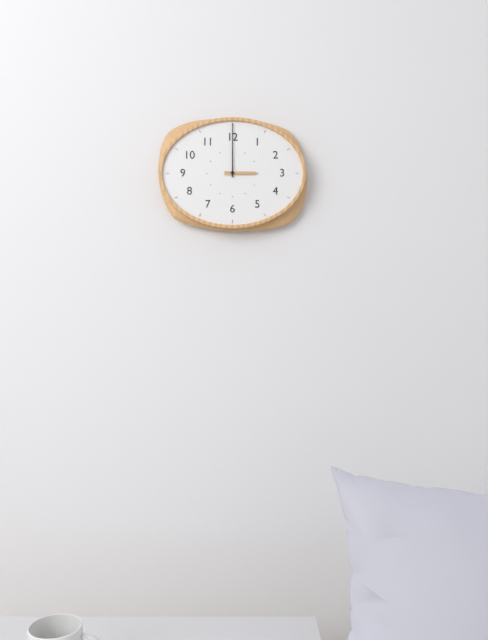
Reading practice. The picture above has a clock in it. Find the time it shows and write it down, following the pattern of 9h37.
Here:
3h00
